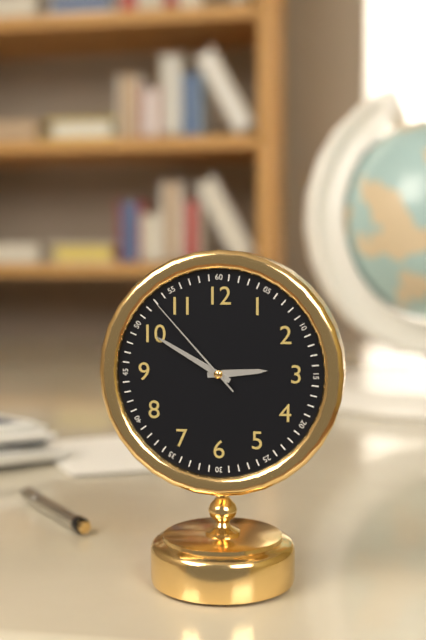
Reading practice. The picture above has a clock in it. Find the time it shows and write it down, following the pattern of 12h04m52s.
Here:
2h50m53s
